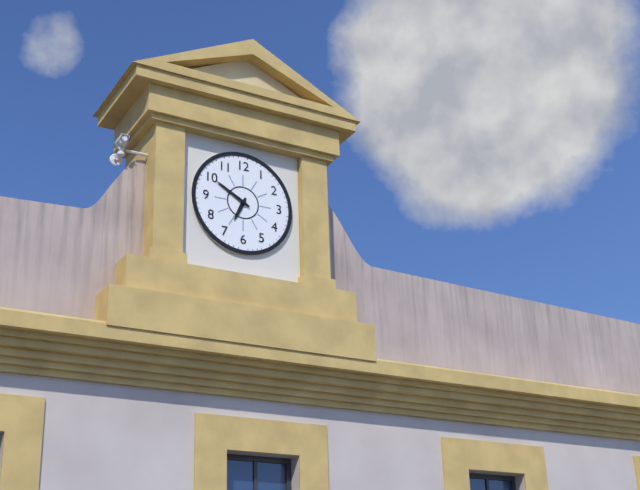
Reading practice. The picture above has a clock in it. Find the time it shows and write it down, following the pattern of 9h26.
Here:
6h50
